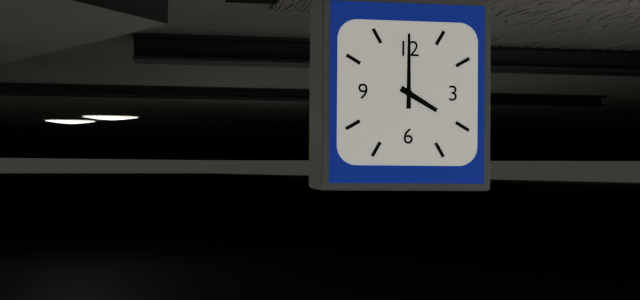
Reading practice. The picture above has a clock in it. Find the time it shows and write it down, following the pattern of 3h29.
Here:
4h00
